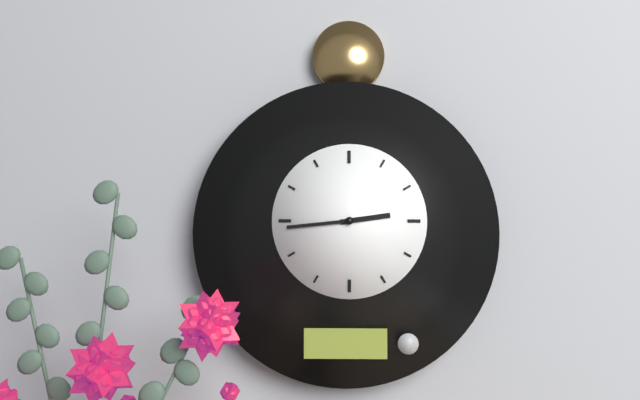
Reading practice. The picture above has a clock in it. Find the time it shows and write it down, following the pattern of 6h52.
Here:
2h44
